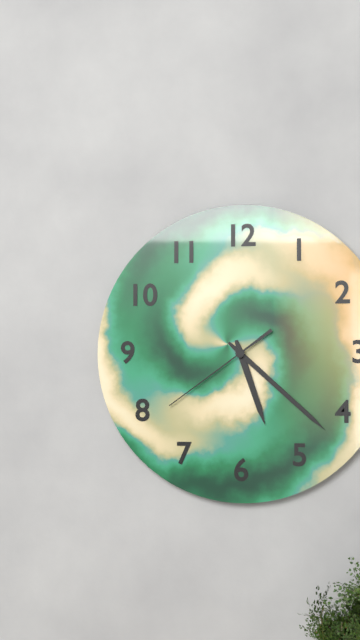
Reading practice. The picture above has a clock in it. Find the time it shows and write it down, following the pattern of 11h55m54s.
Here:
5h22m39s
